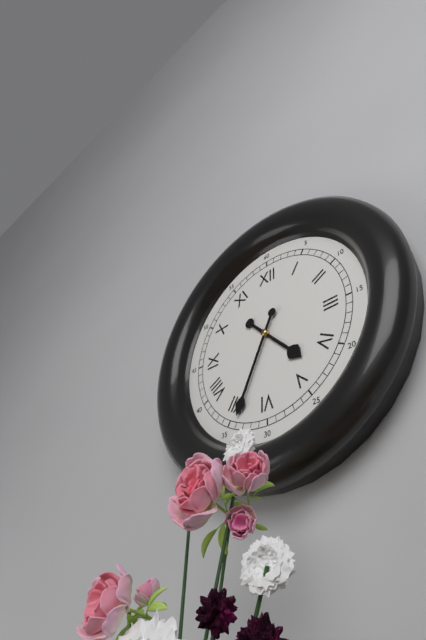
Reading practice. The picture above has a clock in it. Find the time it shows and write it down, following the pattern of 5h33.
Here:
4h34
